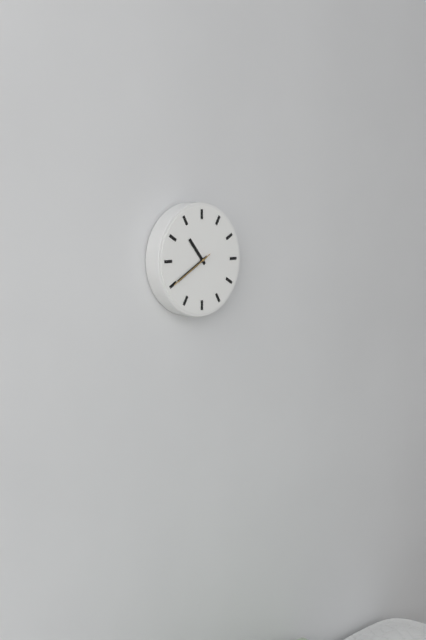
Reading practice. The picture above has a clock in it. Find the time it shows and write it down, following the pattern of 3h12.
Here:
10h40
